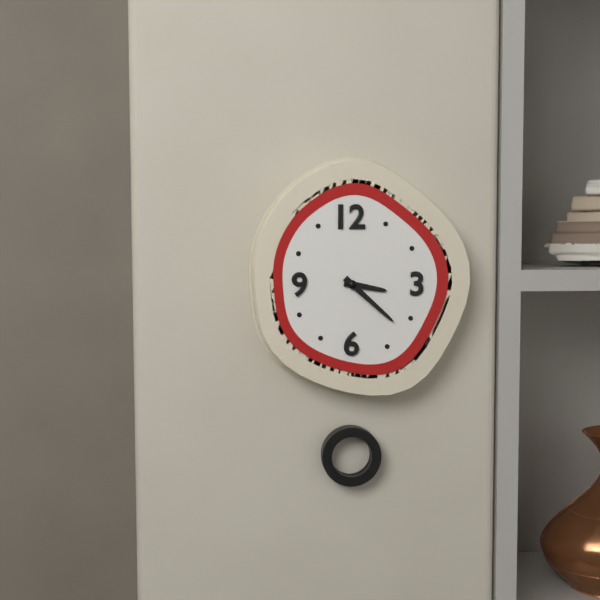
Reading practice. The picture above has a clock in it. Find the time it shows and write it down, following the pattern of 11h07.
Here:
3h22
